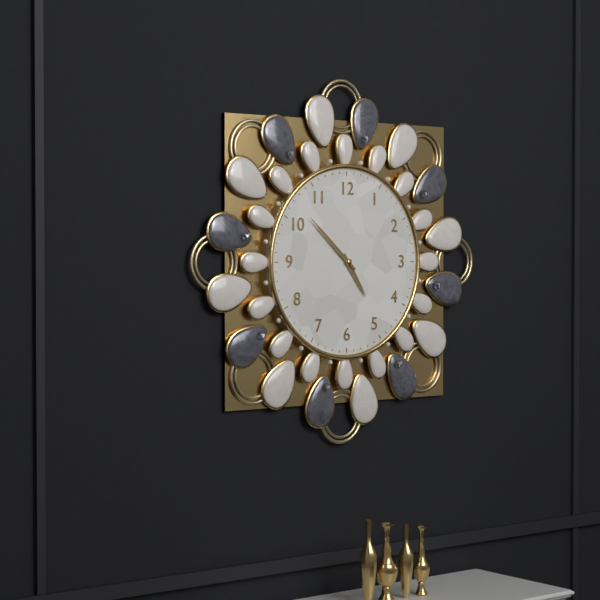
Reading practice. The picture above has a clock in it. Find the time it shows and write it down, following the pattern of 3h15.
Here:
4h52
